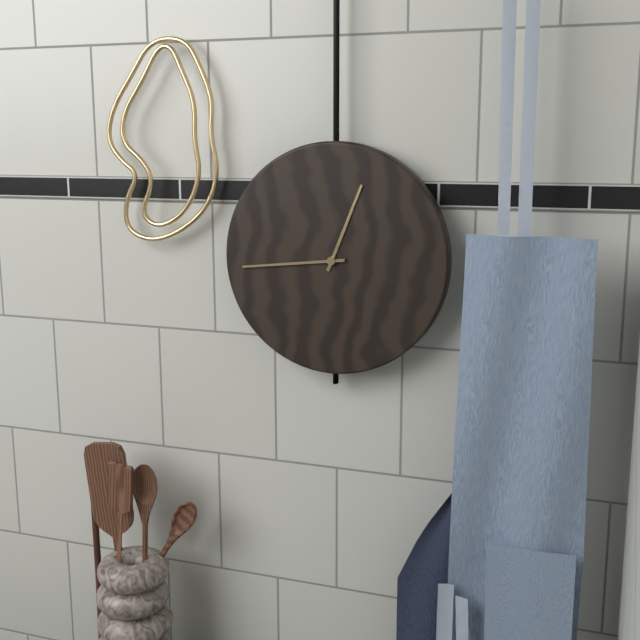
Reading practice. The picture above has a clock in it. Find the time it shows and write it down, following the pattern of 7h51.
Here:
12h44
